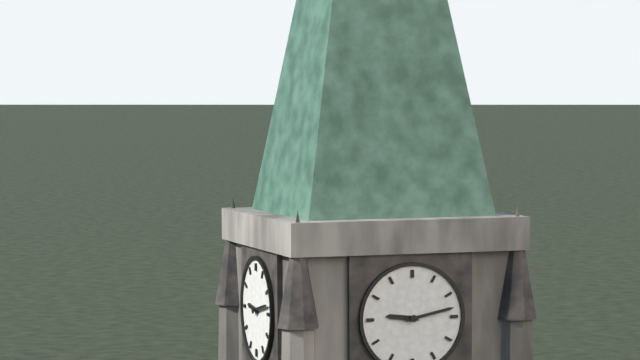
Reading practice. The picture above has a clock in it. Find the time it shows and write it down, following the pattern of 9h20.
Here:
9h13
